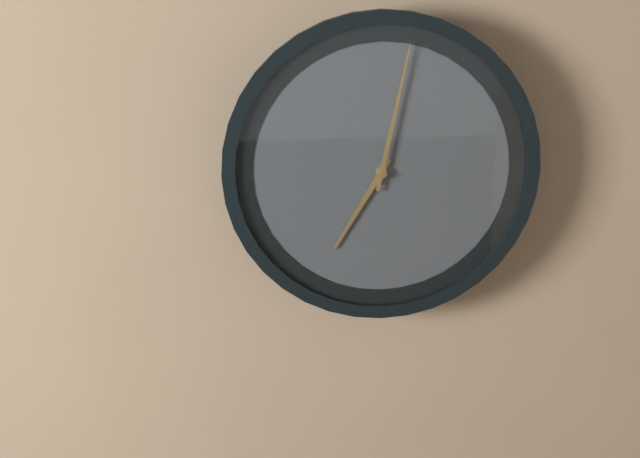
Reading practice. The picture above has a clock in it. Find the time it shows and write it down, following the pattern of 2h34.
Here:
7h02
